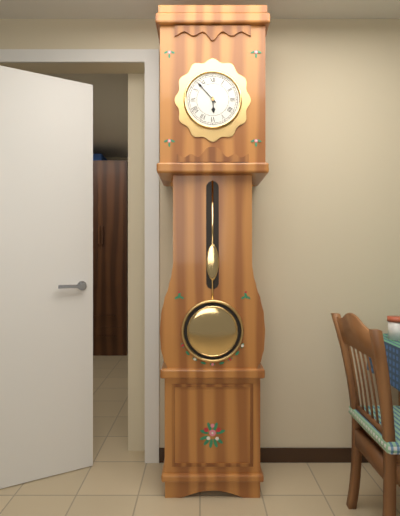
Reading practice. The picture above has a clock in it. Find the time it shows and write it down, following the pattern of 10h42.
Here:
5h53
